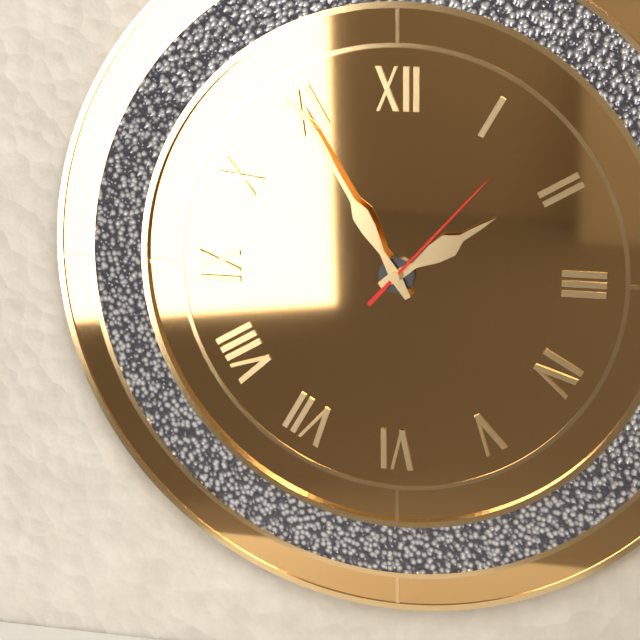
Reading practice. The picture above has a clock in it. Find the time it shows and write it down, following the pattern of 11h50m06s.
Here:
1h55m07s
